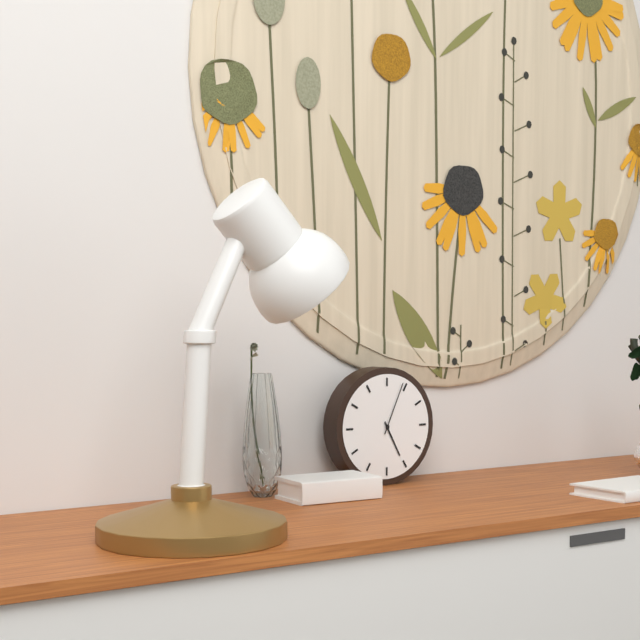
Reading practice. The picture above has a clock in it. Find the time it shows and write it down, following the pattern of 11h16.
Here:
5h04
